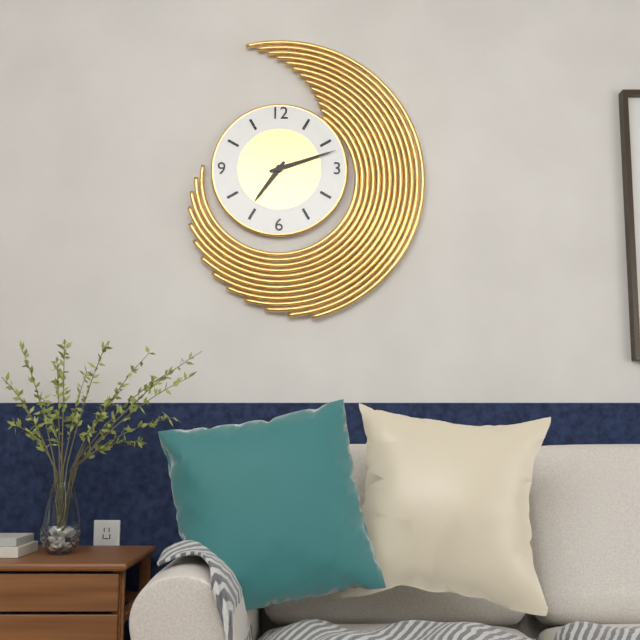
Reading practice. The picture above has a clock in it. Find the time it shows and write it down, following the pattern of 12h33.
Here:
7h12
